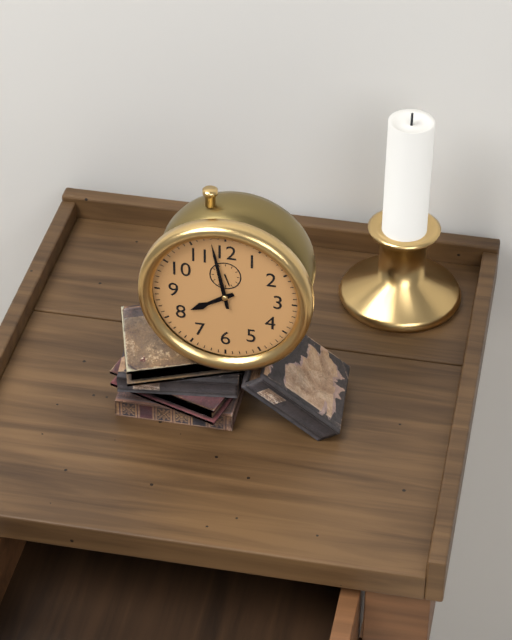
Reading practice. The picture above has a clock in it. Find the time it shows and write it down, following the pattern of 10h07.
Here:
7h58
